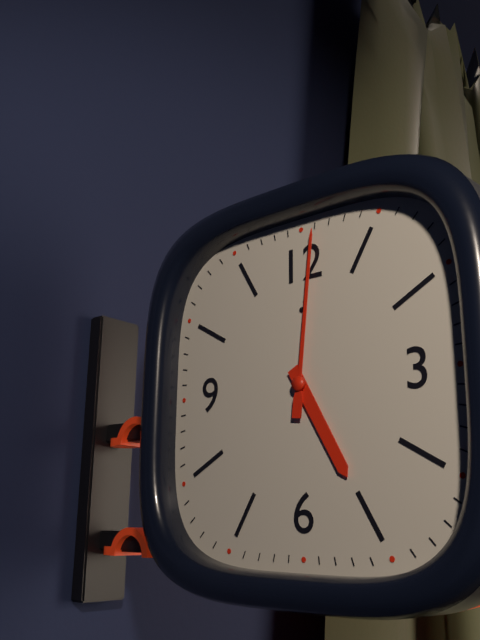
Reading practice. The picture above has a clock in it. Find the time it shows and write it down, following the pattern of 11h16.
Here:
5h01
